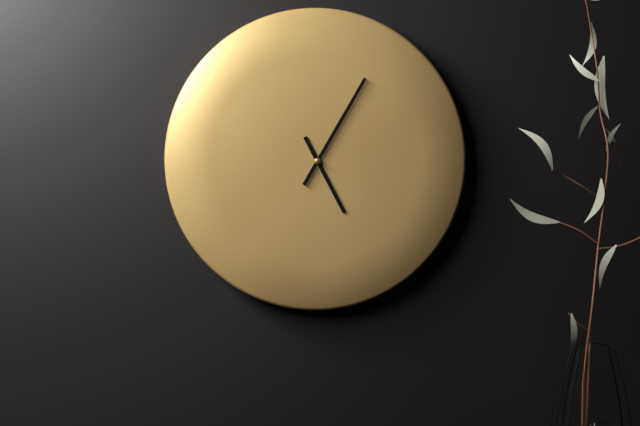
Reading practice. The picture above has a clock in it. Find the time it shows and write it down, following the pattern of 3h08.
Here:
5h05
